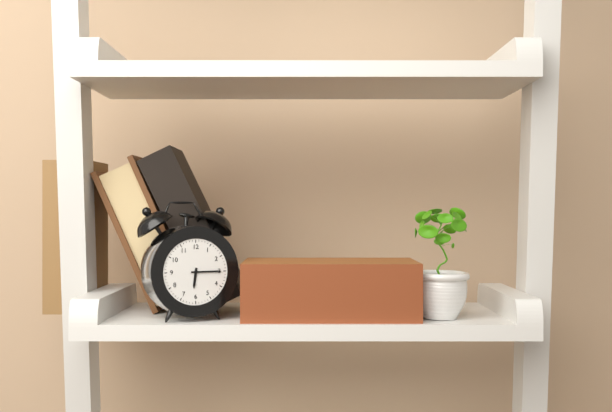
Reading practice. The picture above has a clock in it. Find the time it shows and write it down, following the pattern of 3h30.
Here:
6h15
